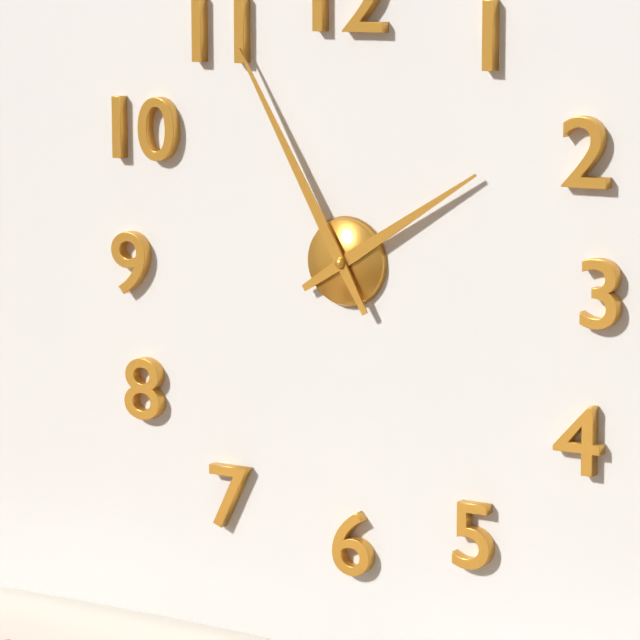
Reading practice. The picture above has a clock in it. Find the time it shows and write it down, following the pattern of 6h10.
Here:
1h55
